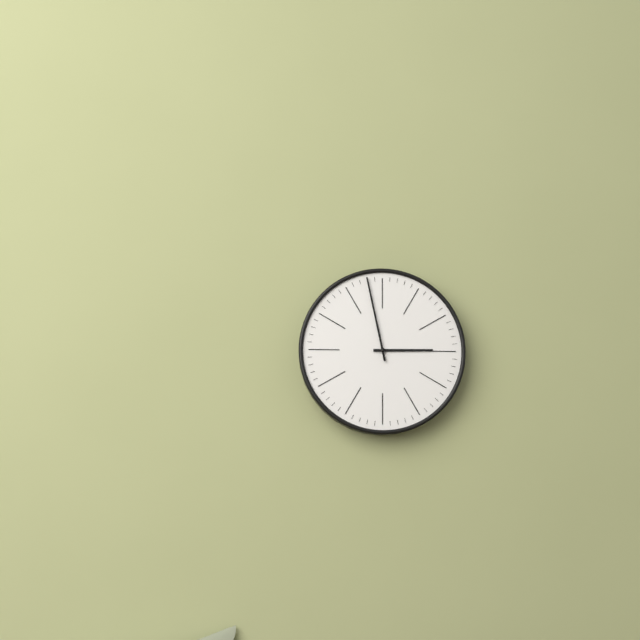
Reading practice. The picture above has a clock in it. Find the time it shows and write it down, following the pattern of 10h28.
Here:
2h58
